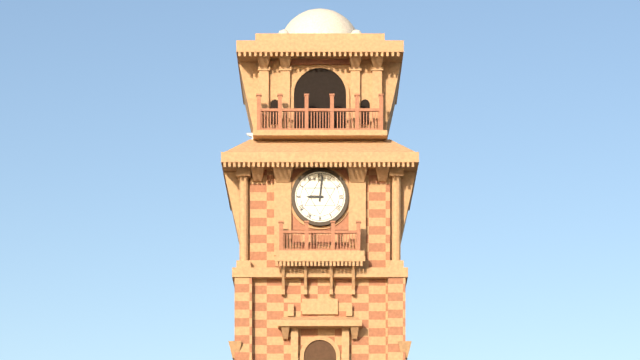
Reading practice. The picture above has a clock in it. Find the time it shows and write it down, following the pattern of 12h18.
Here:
9h01
